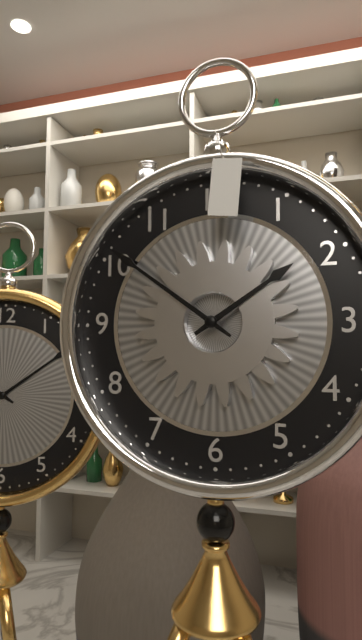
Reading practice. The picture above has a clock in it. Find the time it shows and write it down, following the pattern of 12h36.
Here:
1h51
